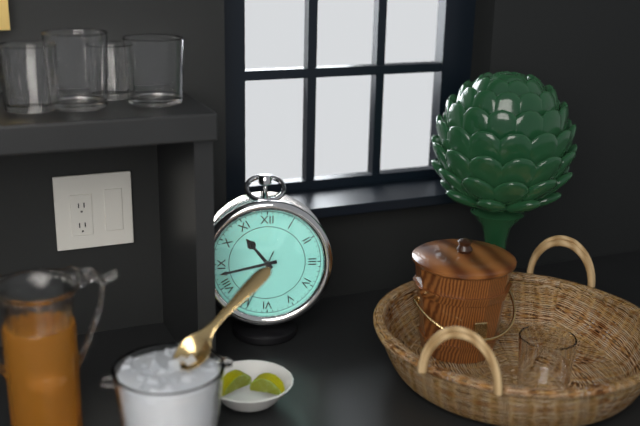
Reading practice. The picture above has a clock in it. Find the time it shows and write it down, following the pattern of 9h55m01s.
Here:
10h43m34s
